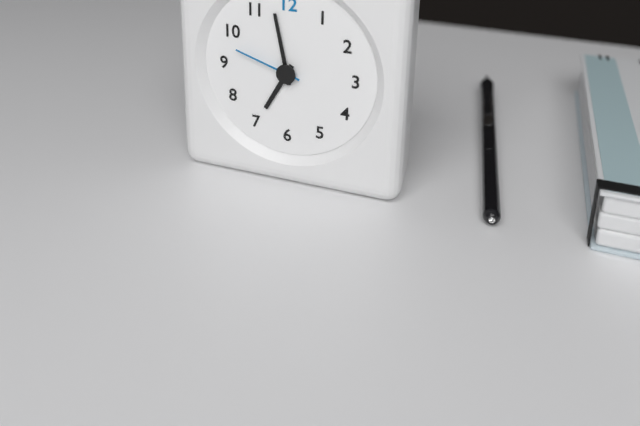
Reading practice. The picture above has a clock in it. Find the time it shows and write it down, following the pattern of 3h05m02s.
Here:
6h58m48s
